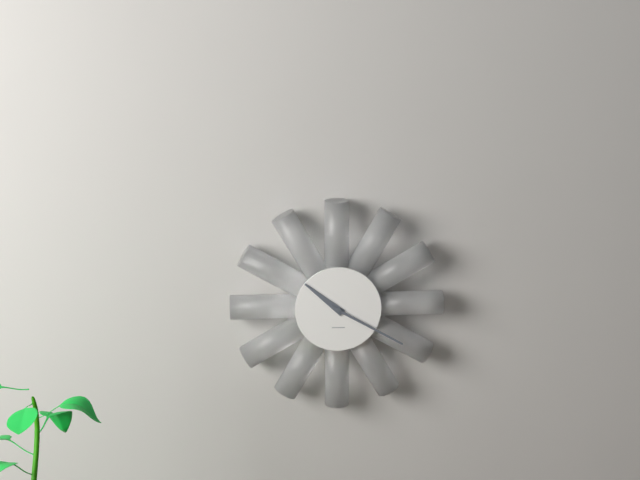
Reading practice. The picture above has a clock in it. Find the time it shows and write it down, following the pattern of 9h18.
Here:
10h20
